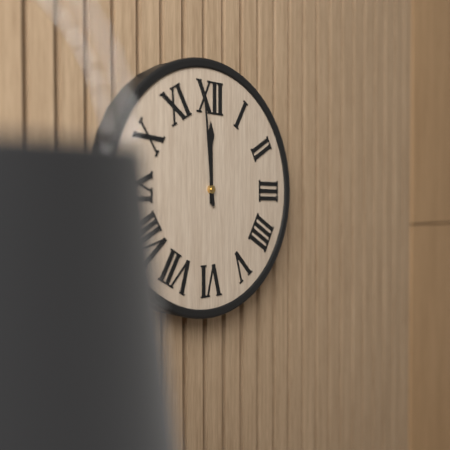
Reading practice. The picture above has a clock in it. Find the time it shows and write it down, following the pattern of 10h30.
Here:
11h59
